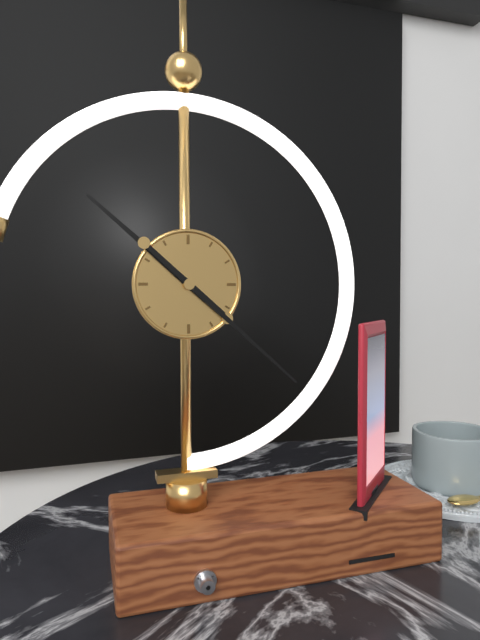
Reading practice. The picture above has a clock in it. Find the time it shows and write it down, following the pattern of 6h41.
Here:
10h22
